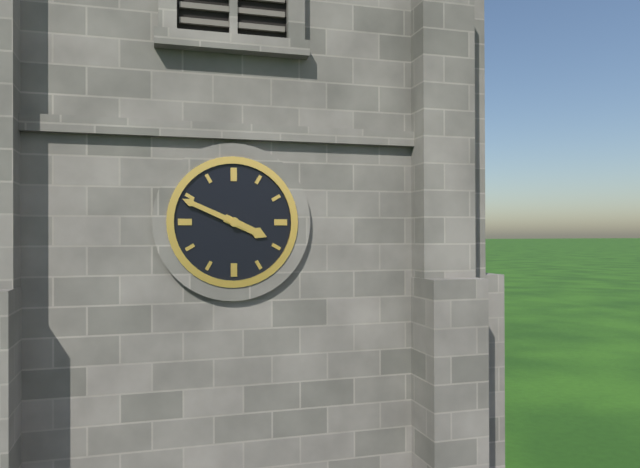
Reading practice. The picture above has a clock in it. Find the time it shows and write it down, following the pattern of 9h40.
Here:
3h49
